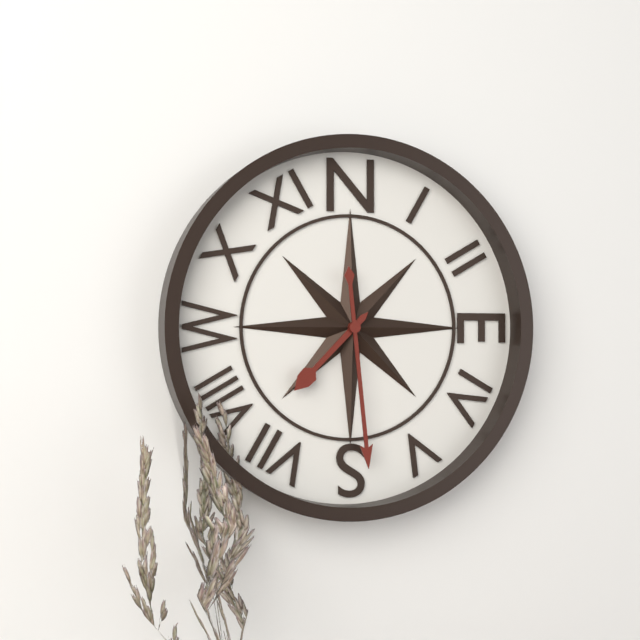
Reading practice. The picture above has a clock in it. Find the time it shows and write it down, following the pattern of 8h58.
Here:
7h29
